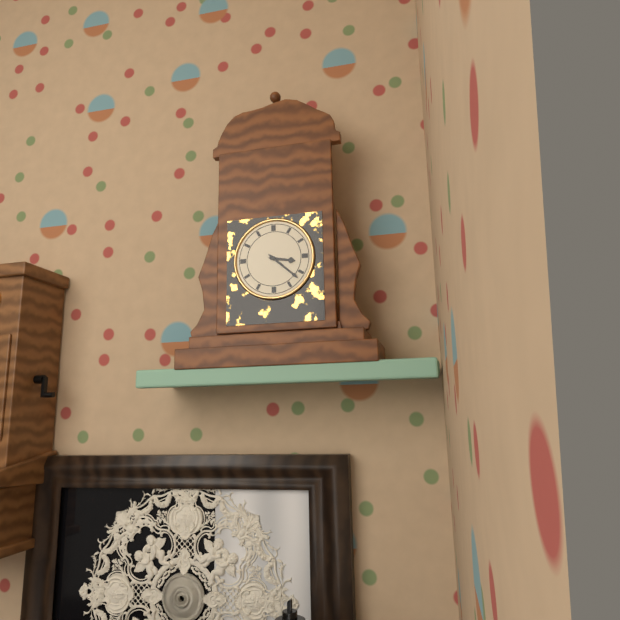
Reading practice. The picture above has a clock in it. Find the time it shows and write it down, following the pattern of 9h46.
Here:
3h22
